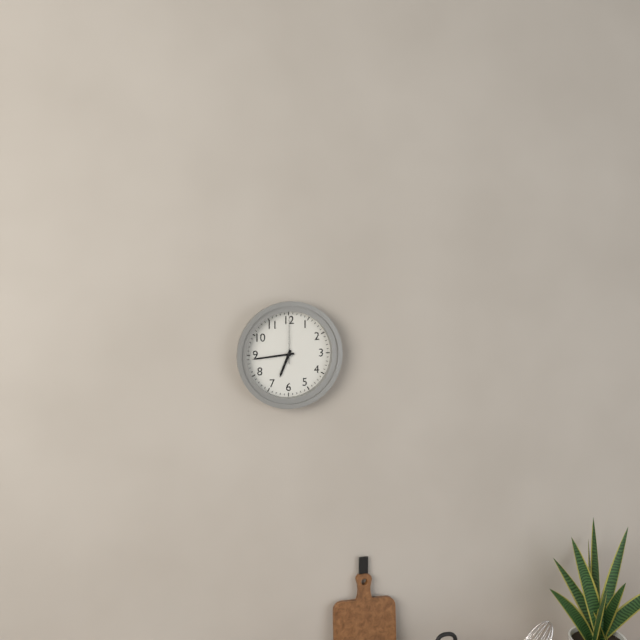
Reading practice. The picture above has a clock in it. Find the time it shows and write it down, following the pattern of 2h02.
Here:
6h44
